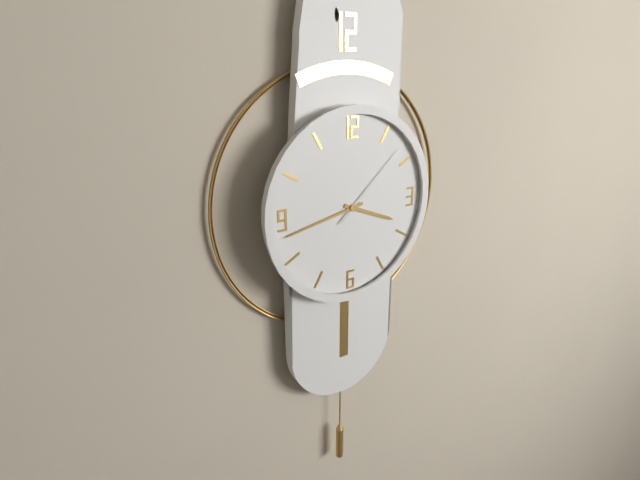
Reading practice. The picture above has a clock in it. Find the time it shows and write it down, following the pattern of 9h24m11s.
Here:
3h43m08s
